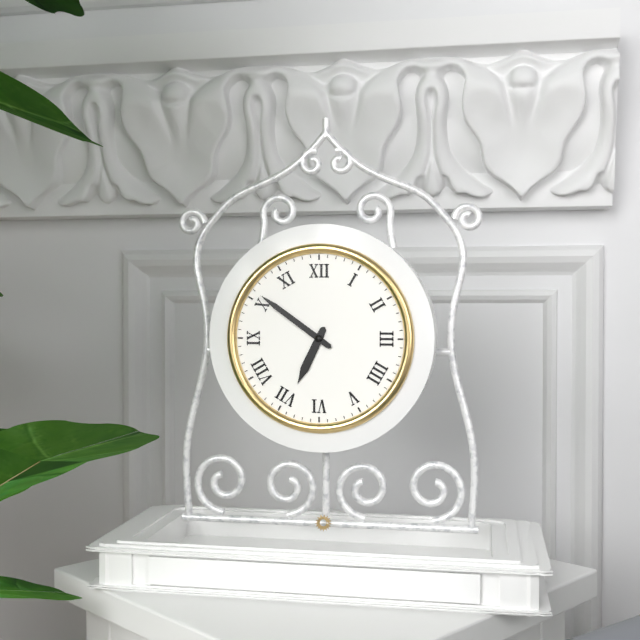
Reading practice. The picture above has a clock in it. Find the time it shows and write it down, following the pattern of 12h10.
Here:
6h51
